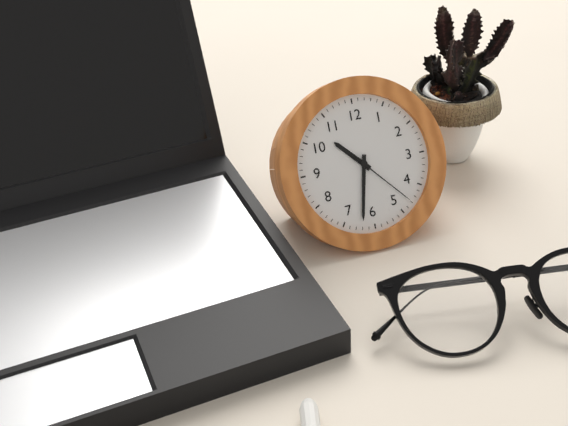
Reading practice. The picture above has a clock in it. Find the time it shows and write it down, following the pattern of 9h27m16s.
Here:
10h32m23s
